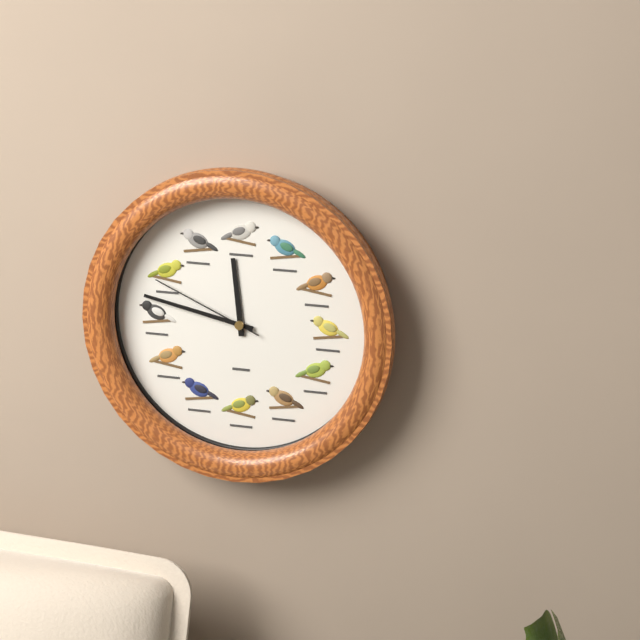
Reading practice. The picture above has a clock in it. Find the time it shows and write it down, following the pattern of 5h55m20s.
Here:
11h47m49s
